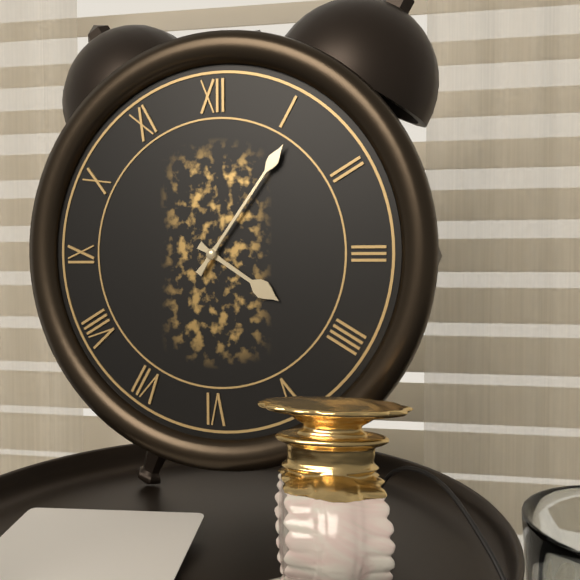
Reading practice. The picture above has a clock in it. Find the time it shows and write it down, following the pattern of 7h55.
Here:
4h06
